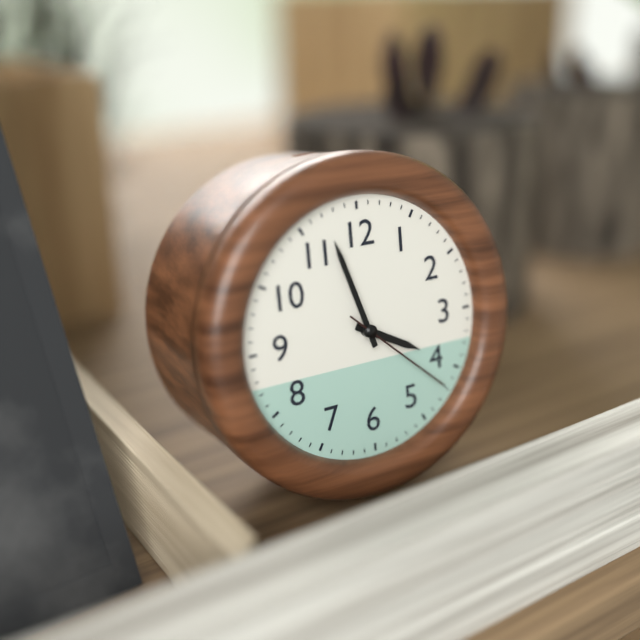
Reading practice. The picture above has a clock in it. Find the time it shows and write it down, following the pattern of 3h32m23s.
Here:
3h57m22s
